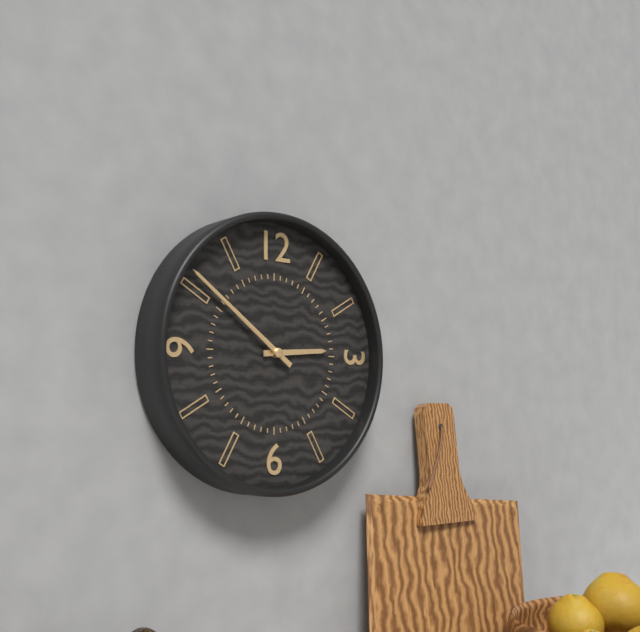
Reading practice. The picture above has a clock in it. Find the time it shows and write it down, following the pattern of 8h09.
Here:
2h51
